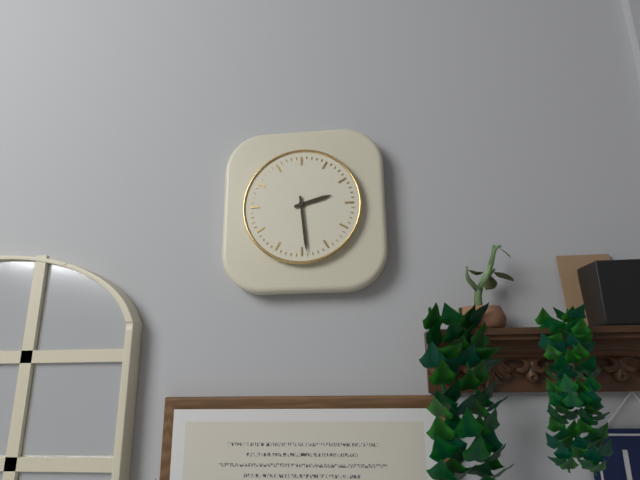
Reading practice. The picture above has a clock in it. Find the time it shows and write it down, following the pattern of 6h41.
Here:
2h29
